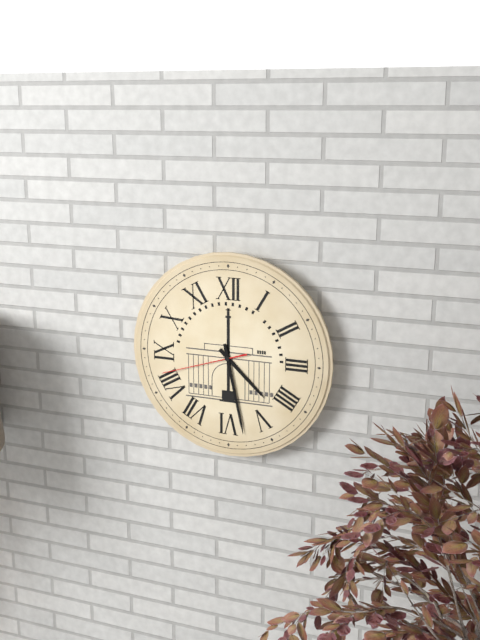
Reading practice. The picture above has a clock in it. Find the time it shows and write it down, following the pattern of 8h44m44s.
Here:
4h28m42s
